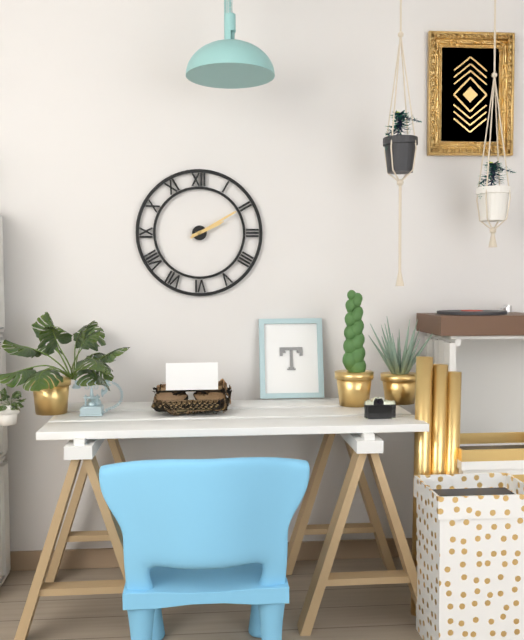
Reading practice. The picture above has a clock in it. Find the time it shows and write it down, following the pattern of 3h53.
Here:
2h10
